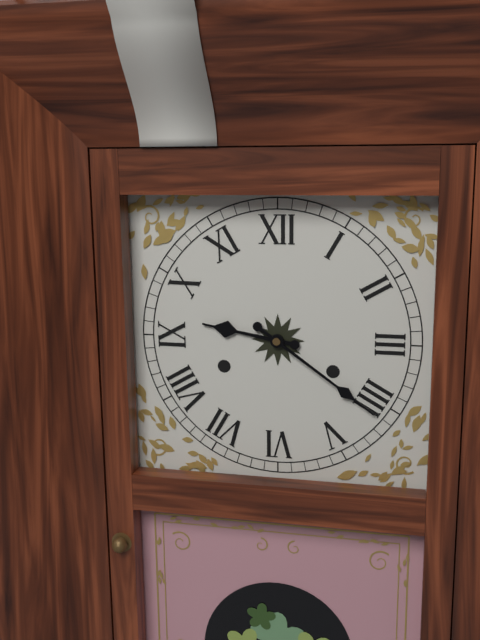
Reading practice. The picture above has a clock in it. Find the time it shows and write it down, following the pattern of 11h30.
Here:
9h21
